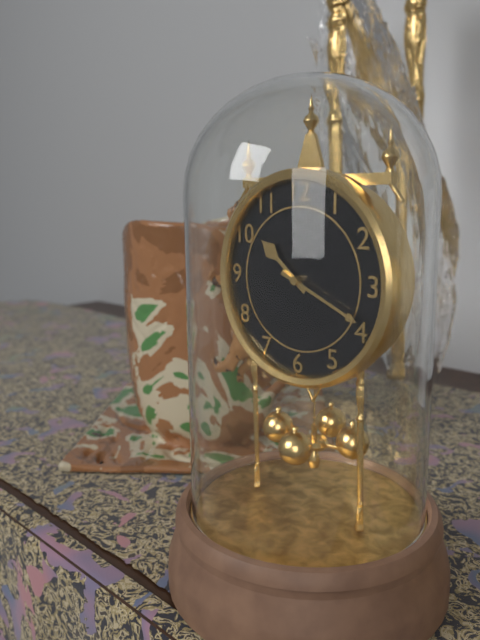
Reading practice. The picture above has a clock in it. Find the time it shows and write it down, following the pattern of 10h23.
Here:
10h19
